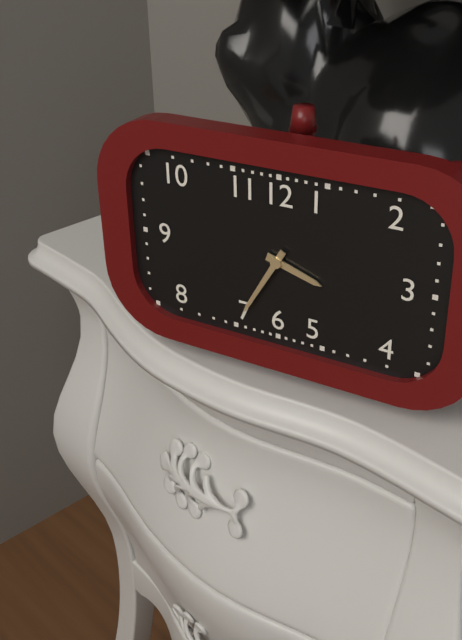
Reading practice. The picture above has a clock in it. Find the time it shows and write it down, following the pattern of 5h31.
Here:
3h35
